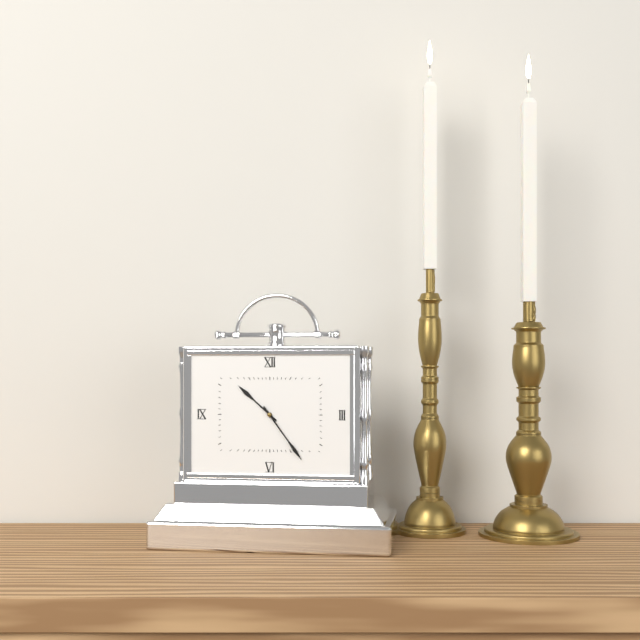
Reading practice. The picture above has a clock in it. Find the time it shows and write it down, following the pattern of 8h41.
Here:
10h24
